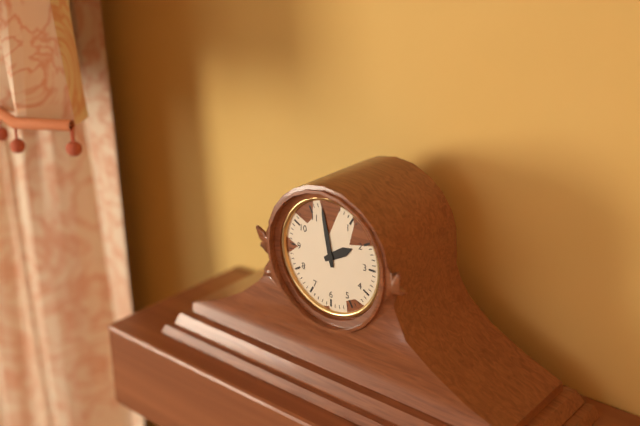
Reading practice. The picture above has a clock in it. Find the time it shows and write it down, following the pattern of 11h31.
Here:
1h58
